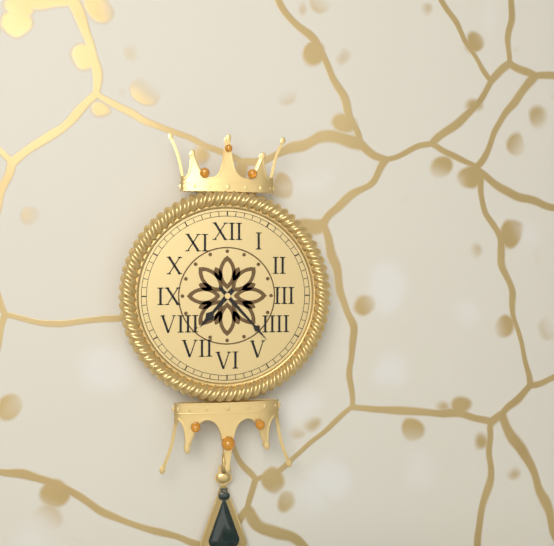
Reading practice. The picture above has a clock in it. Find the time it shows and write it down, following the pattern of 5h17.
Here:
7h23
